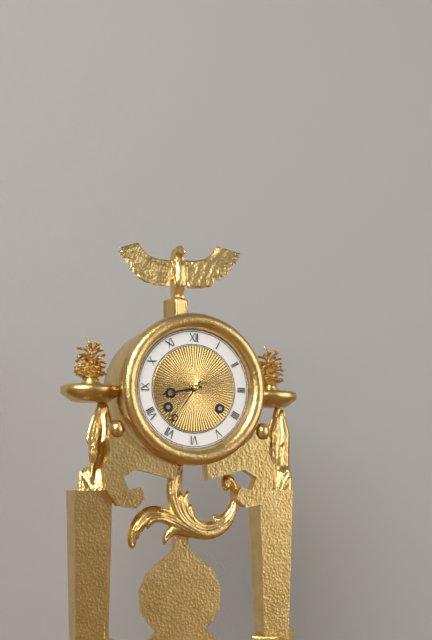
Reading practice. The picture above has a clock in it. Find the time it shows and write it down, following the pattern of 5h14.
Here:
8h36
